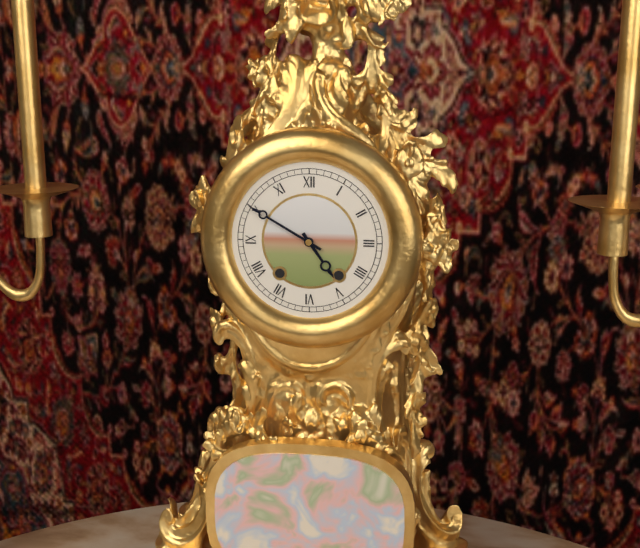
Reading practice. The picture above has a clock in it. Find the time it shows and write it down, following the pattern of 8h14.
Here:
4h50
